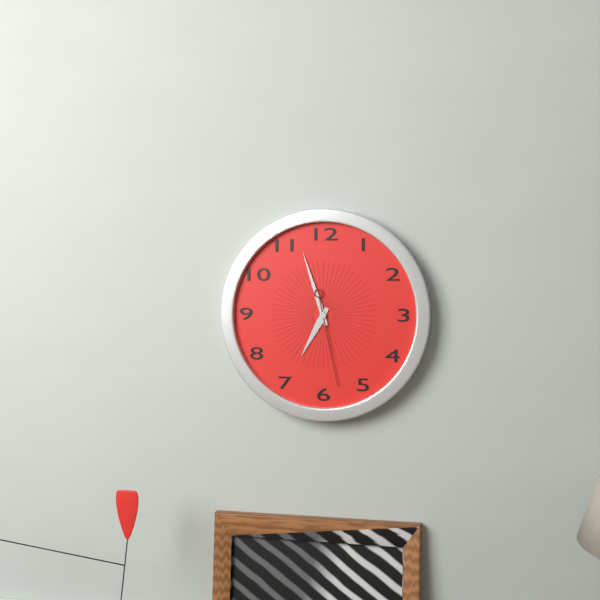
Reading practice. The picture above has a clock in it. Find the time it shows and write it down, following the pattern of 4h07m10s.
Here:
6h57m28s
